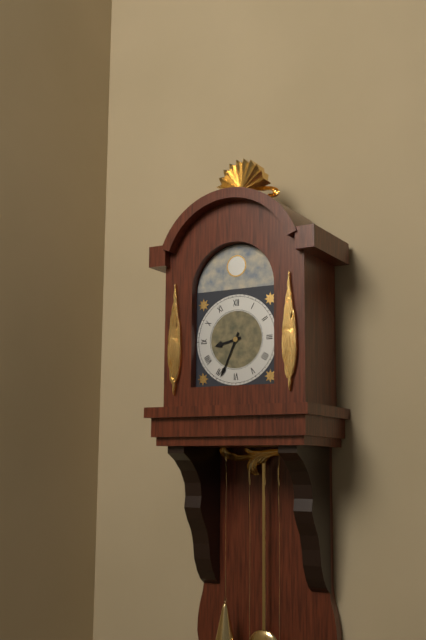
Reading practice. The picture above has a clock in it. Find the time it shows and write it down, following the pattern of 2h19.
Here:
8h34
